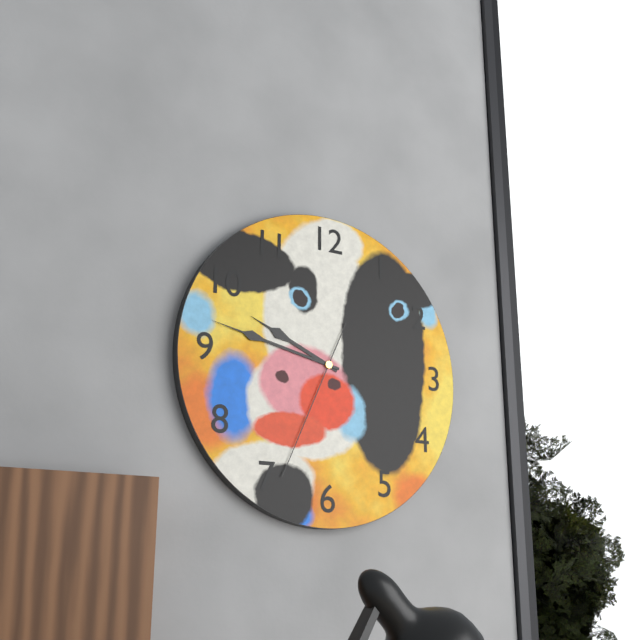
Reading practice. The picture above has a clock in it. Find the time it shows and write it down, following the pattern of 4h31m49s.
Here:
9h47m34s
